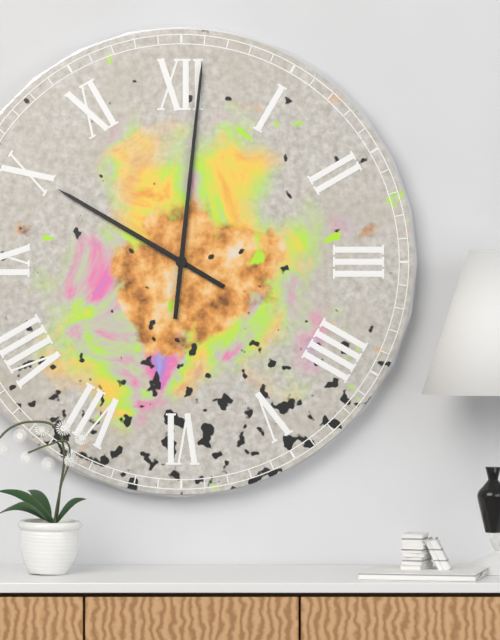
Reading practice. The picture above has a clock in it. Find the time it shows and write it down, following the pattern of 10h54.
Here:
10h01
